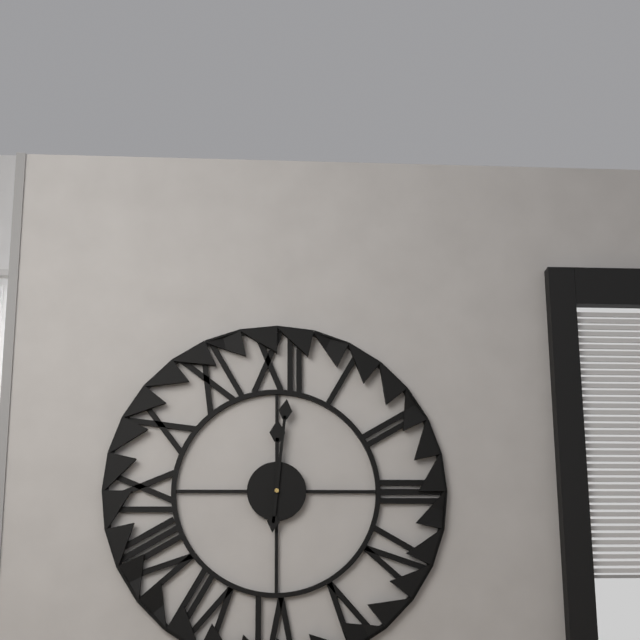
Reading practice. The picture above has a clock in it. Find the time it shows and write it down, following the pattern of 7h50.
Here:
12h01
